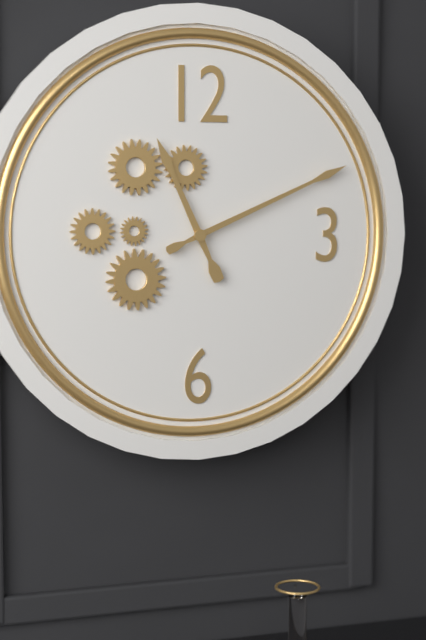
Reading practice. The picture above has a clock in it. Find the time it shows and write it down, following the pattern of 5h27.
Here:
11h11
